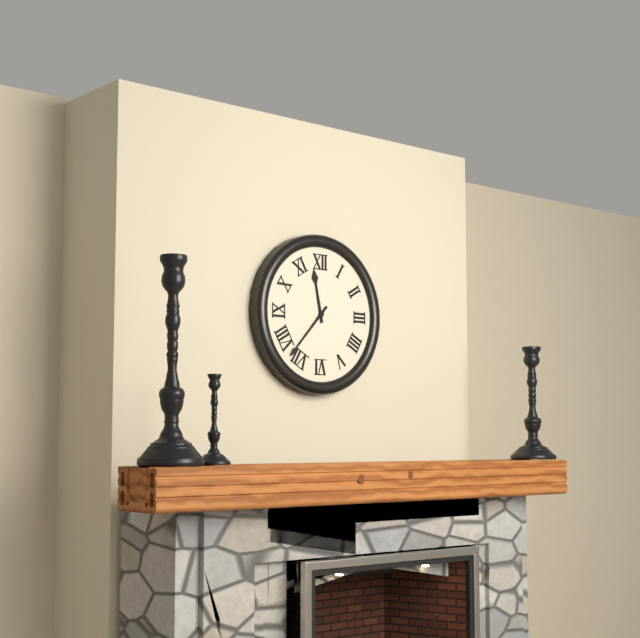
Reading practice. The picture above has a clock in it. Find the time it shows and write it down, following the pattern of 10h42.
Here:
11h37
